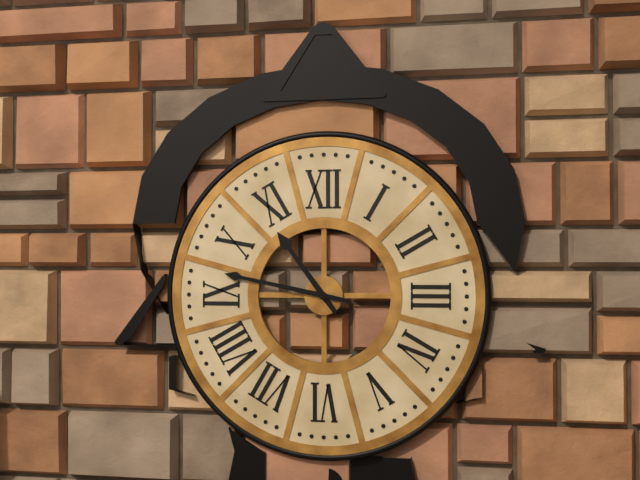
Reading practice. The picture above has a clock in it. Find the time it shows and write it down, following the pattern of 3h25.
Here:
10h47
